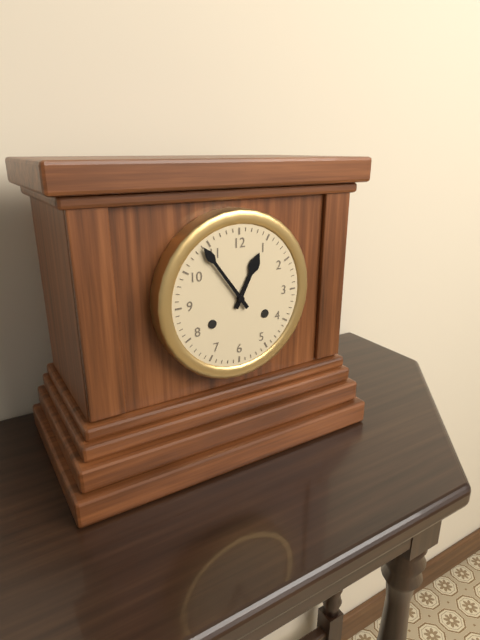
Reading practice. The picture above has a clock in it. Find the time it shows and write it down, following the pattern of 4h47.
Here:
12h54
